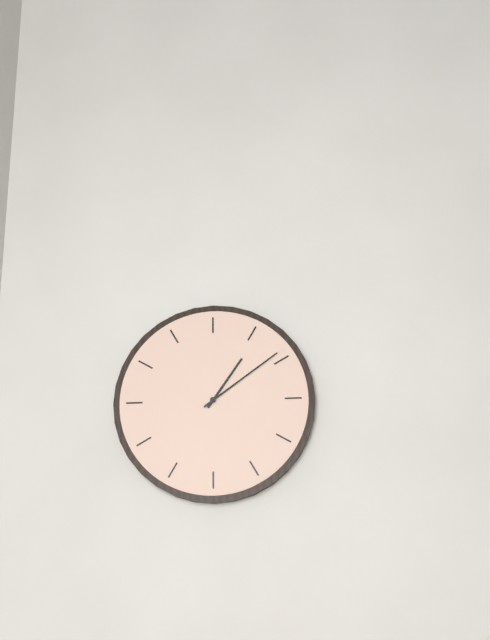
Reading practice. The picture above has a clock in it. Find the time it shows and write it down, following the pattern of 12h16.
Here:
1h09
